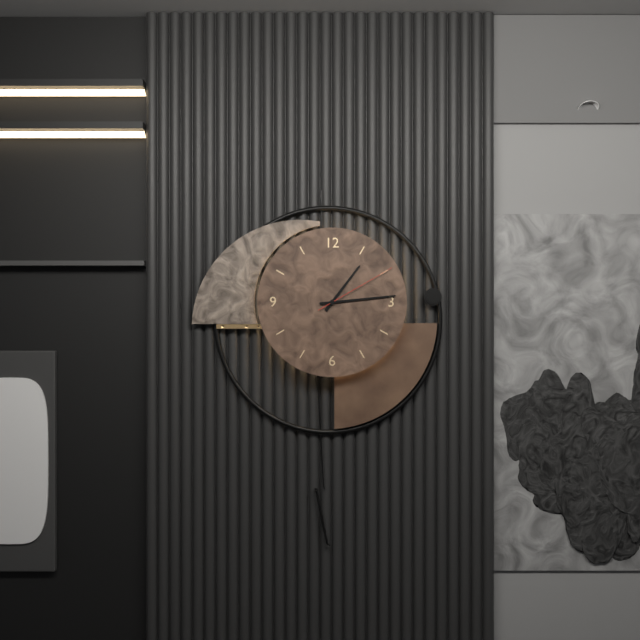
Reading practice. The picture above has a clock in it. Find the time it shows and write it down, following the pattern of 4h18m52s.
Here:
1h14m10s
